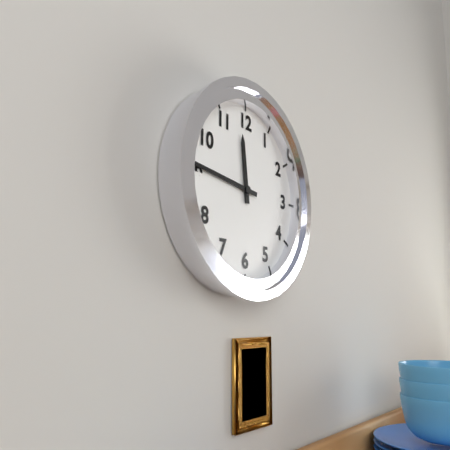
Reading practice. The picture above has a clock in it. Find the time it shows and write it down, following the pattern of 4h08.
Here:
11h46
